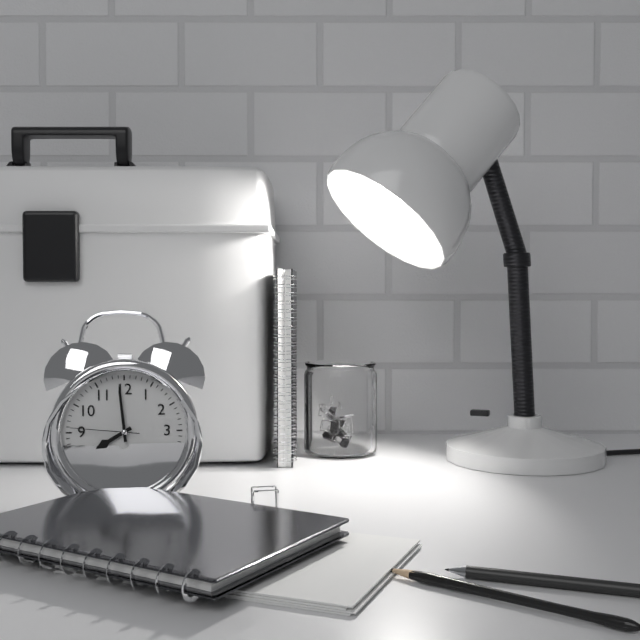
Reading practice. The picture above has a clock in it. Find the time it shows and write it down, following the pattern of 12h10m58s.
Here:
7h59m46s
